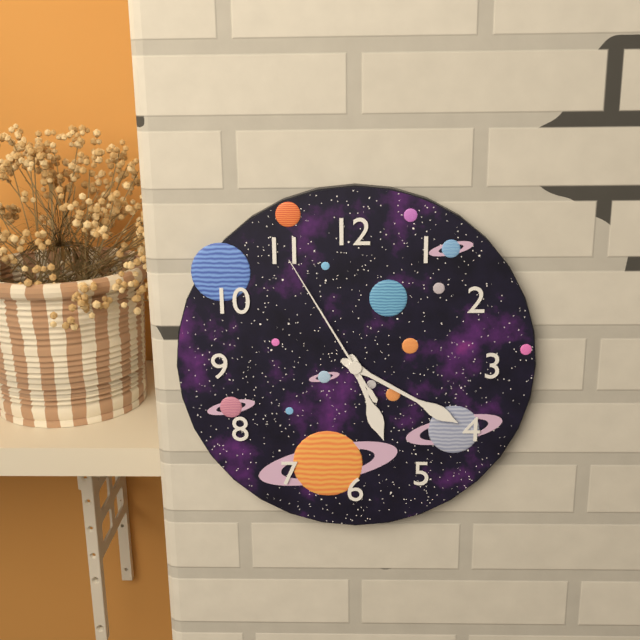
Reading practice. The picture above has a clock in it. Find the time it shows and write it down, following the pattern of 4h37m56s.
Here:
5h20m55s
